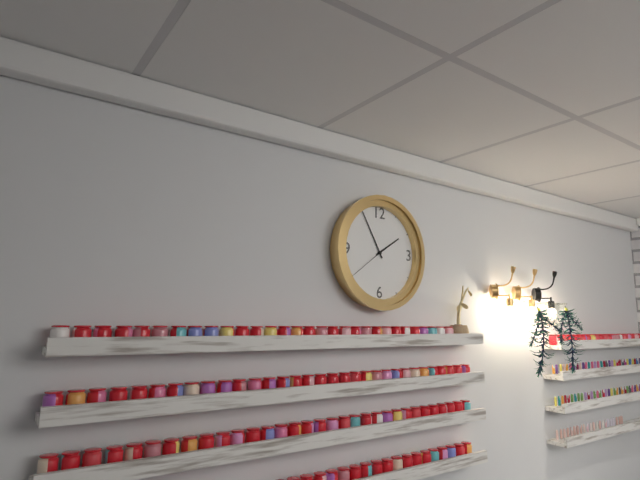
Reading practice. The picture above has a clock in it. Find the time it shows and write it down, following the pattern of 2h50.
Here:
1h55
